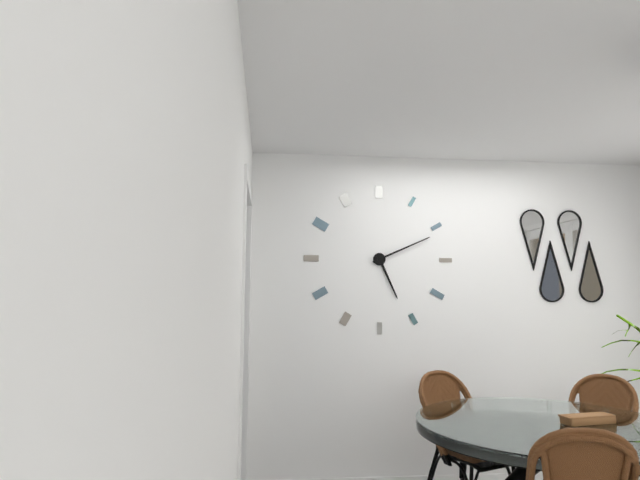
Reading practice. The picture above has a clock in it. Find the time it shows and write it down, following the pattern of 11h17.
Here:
5h11
